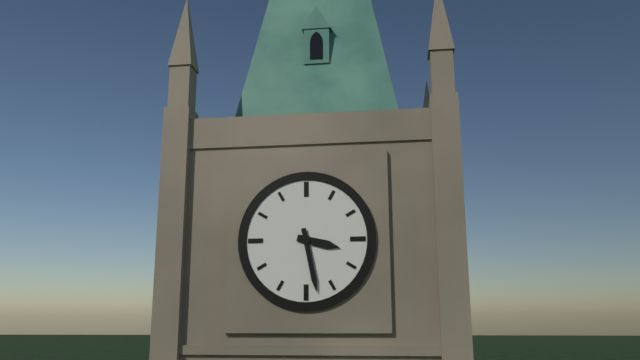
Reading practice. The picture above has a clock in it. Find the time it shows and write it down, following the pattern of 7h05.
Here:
3h28
